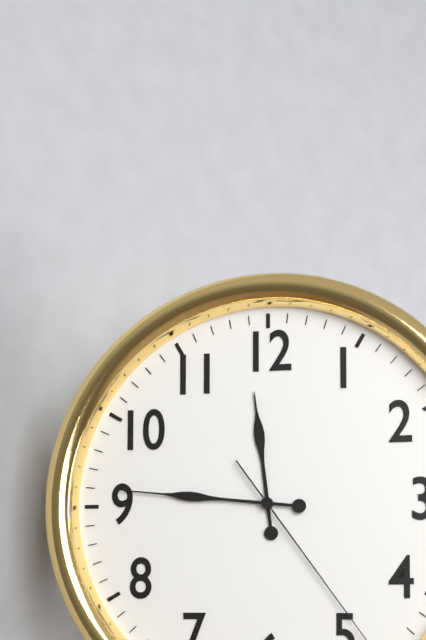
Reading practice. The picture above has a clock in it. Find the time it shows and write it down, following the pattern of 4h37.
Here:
11h46
